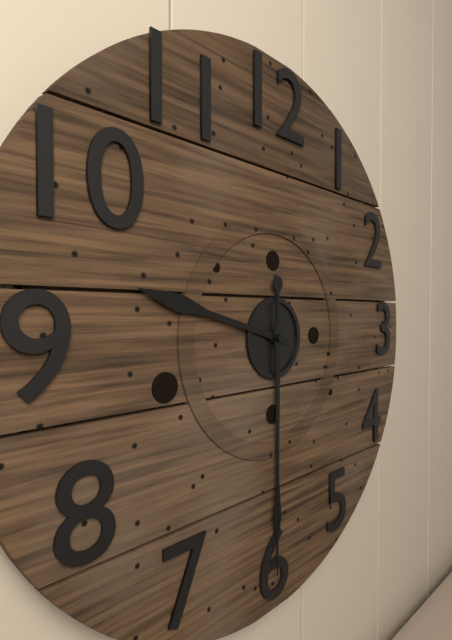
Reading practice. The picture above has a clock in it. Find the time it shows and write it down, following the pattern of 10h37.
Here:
9h30
